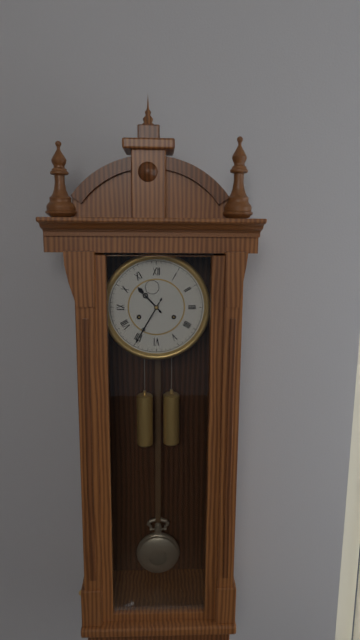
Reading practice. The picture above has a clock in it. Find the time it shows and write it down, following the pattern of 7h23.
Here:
10h35
